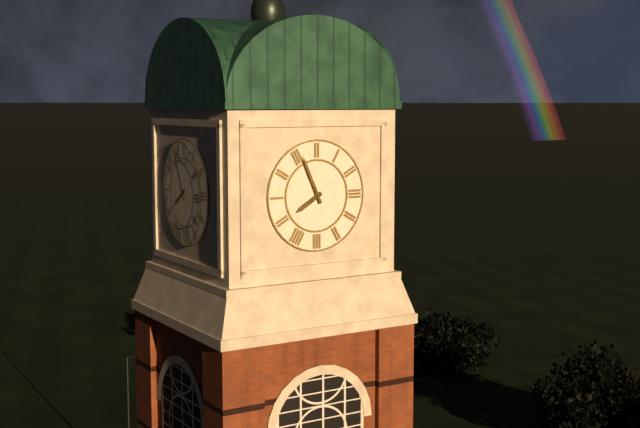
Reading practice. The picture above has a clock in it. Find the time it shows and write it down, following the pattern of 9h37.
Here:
7h56
